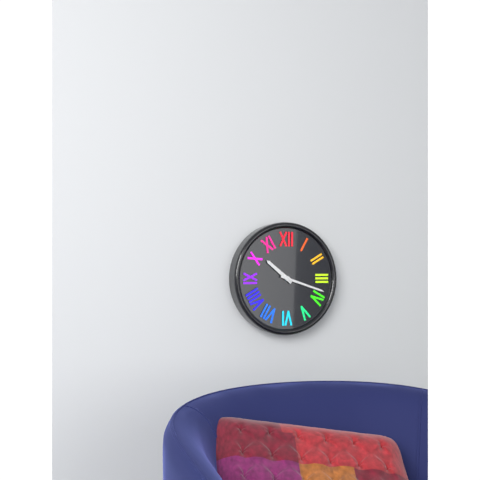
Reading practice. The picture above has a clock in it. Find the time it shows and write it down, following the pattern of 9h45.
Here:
10h18
